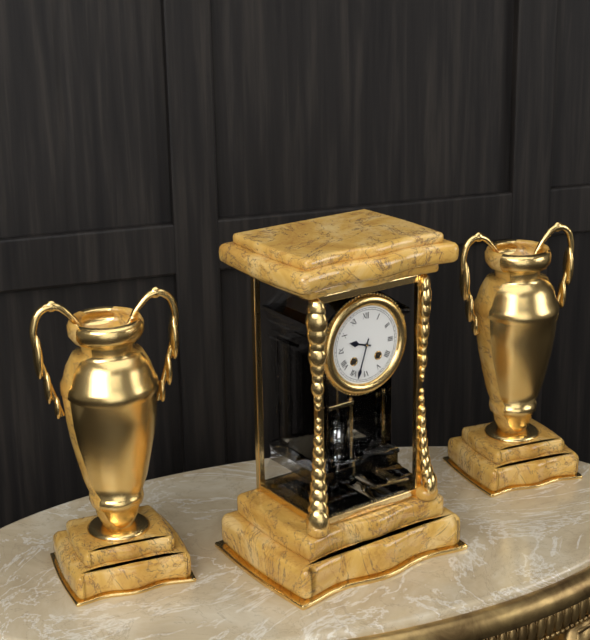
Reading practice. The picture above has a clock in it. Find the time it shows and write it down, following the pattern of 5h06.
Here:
9h33
